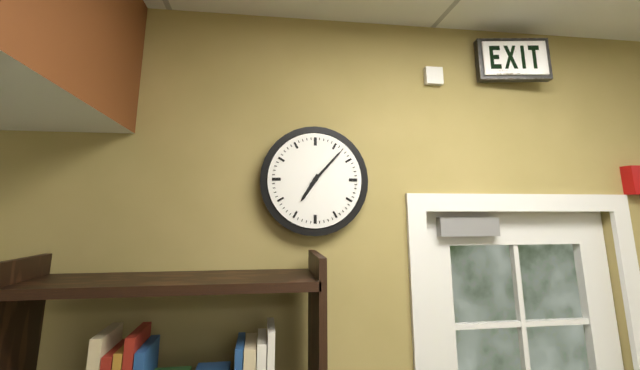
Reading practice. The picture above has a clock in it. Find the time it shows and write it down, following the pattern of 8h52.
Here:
7h07
